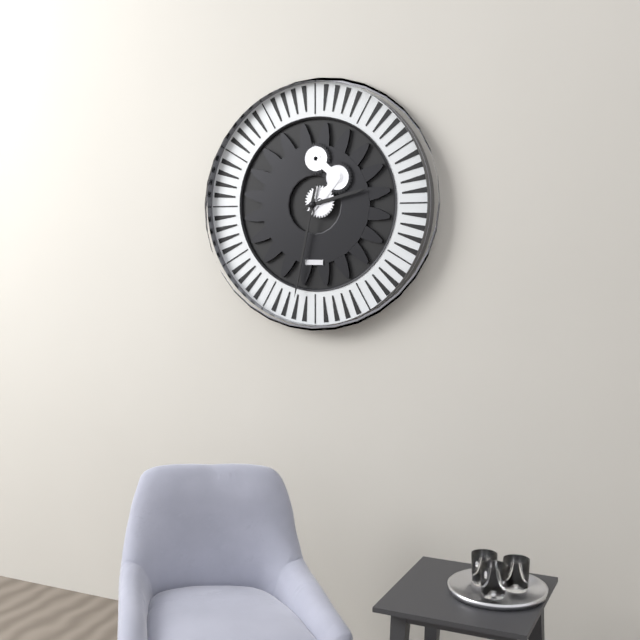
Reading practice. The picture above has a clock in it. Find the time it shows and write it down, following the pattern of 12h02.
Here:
2h32
